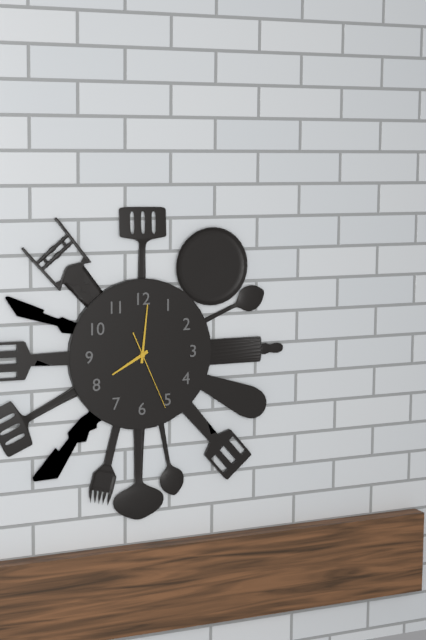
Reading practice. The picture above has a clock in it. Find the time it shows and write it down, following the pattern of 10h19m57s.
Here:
8h01m26s
